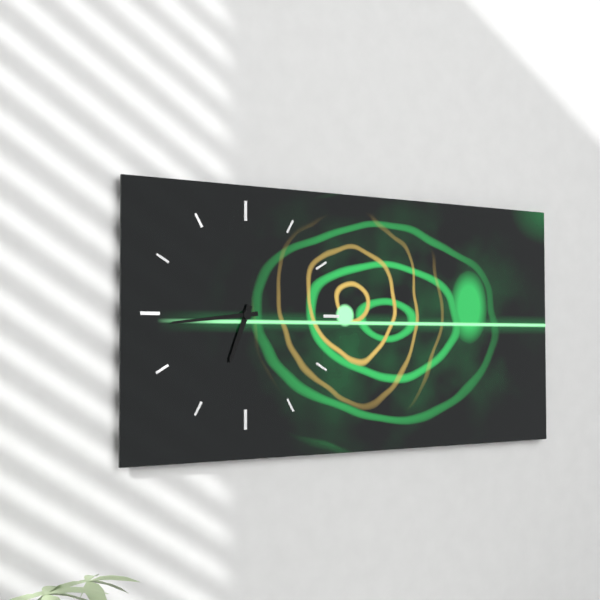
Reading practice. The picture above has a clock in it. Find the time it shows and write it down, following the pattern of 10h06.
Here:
6h44
